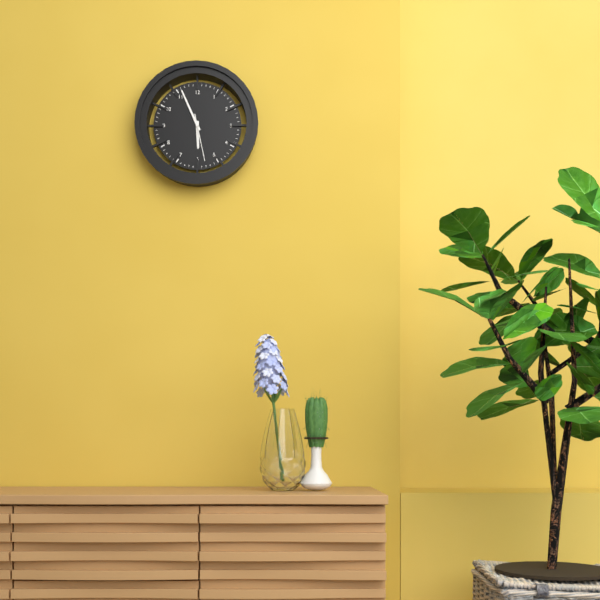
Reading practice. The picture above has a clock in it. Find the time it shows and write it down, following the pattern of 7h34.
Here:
5h56
